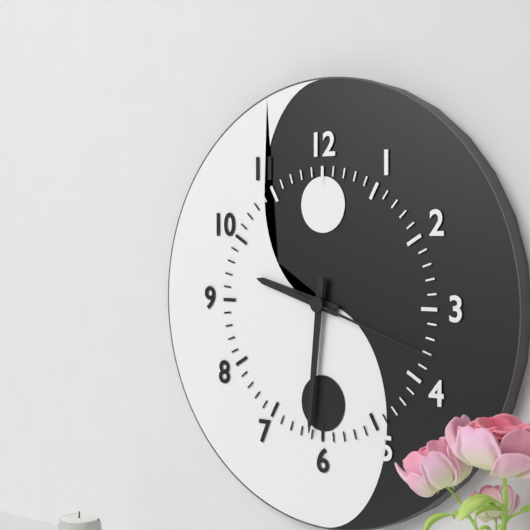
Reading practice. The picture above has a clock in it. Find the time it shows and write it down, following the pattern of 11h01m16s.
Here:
9h31m18s
